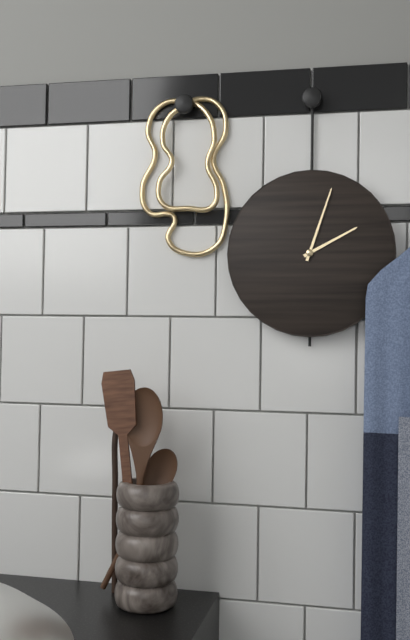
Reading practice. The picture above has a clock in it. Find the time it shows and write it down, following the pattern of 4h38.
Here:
2h03
